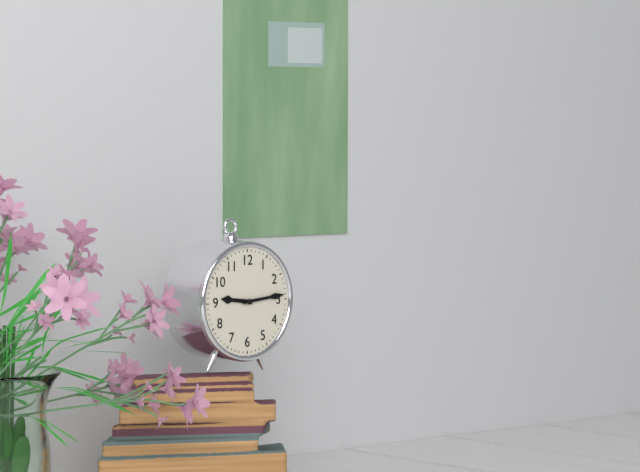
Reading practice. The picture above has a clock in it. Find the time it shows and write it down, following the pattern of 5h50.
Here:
9h14
